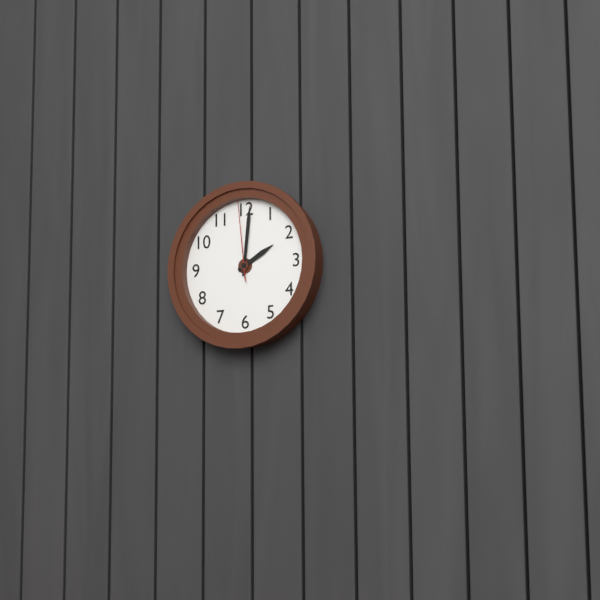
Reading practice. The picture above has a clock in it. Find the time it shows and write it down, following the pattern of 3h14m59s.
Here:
2h01m59s
